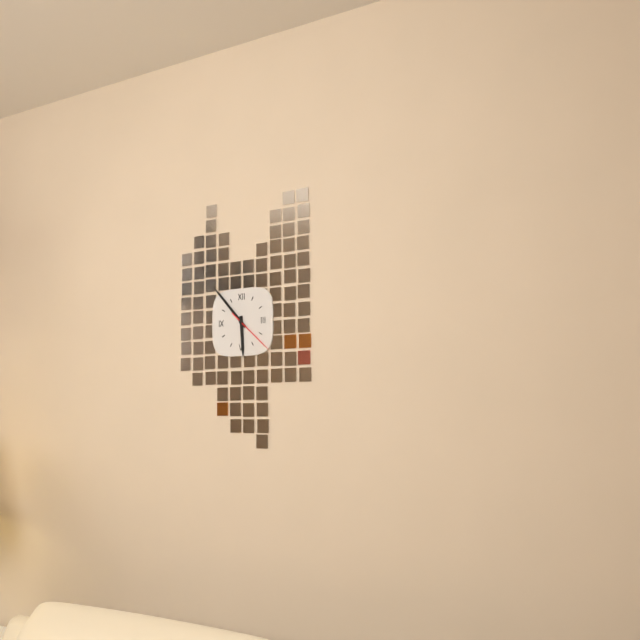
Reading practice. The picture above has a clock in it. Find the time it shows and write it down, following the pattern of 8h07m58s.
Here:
5h53m22s
